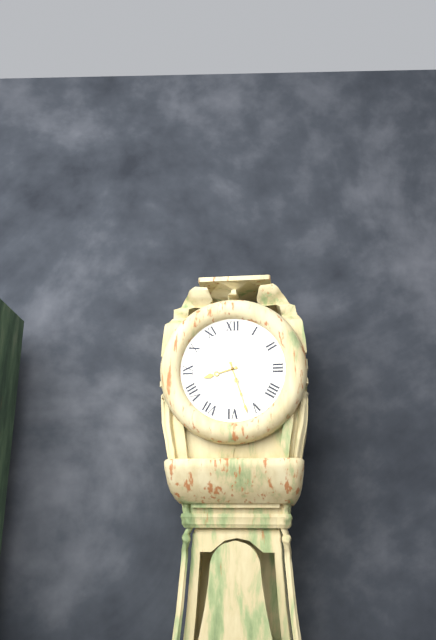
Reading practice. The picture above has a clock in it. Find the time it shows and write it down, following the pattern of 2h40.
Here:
8h27
